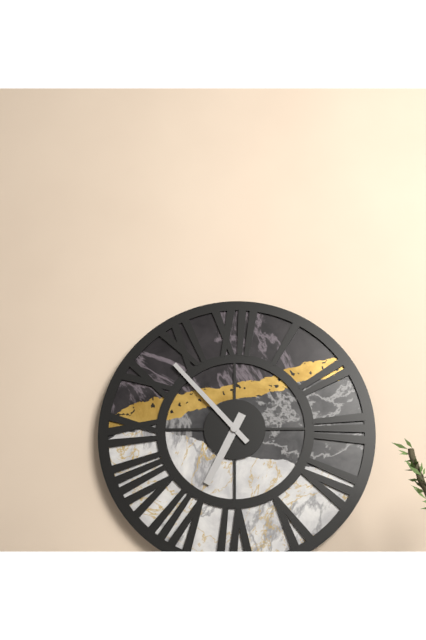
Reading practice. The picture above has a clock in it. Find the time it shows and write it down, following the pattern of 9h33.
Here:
6h53
